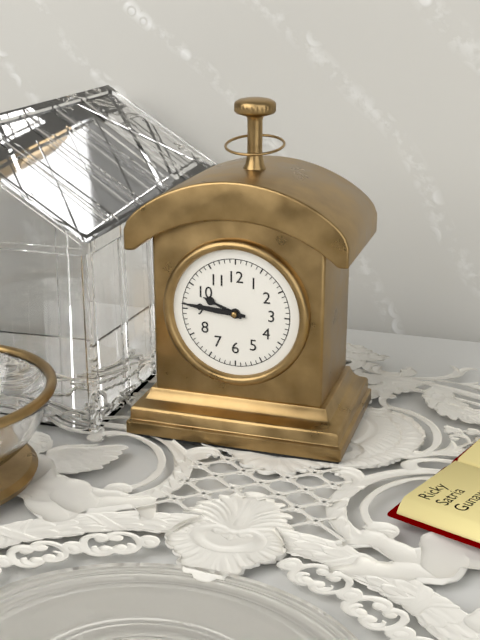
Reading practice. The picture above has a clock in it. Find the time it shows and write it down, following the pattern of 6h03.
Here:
9h46
